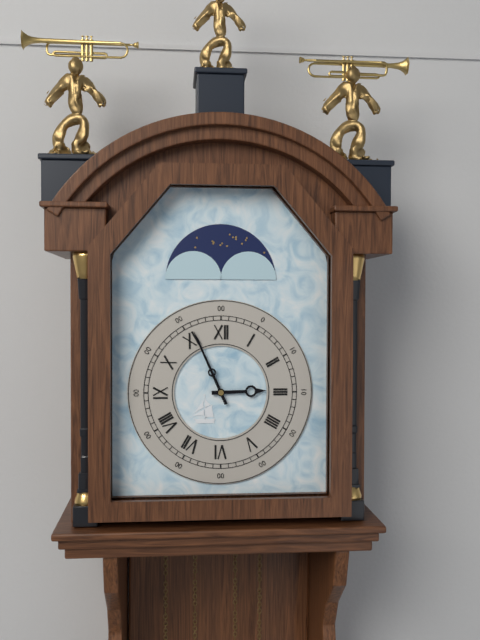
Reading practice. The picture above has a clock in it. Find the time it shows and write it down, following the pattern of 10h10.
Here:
2h56
